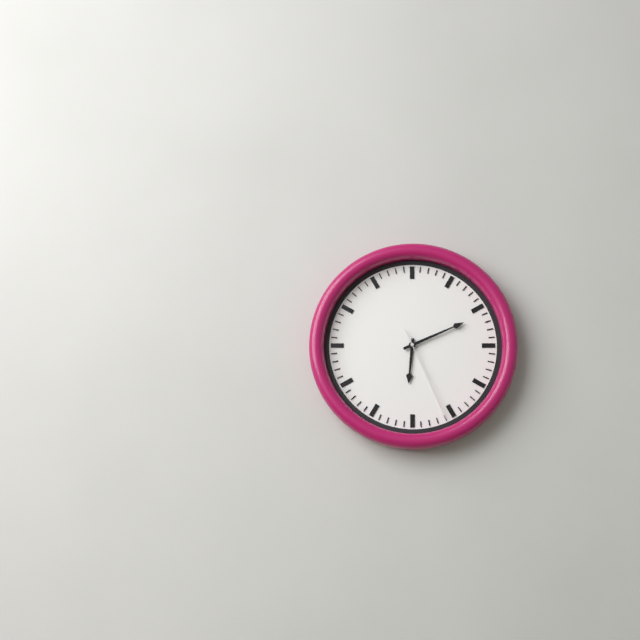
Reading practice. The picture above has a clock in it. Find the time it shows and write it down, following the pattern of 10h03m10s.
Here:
6h11m26s
